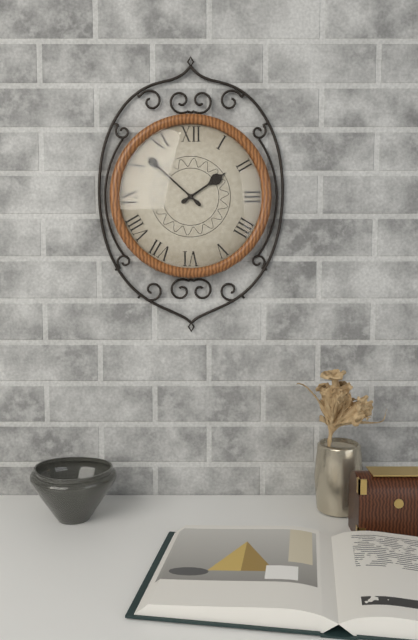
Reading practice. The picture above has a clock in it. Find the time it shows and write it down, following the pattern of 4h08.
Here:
1h52
